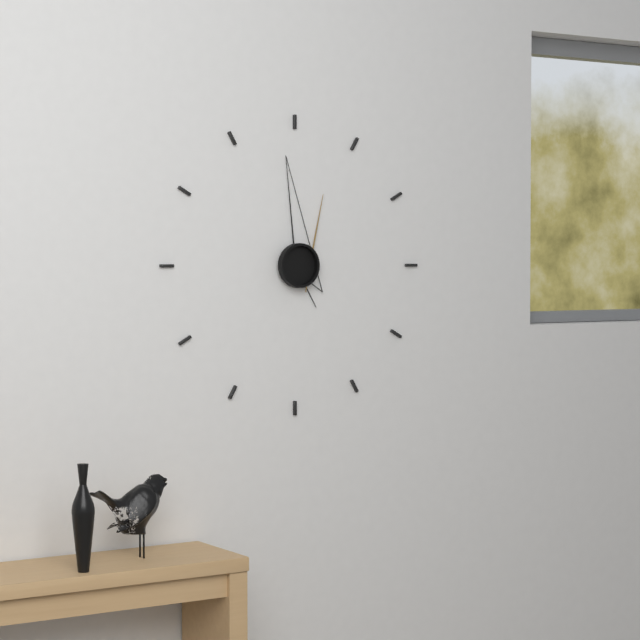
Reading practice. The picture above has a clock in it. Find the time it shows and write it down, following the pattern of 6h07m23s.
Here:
4h59m04s
